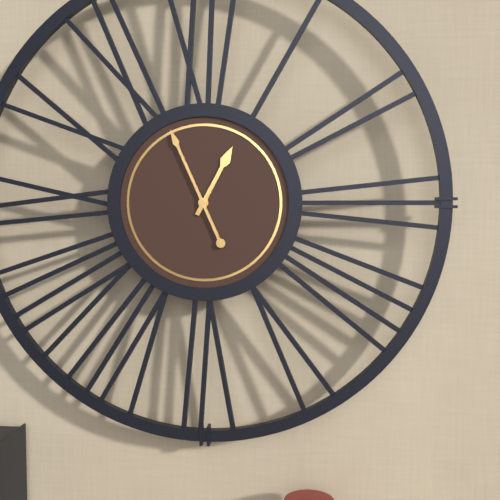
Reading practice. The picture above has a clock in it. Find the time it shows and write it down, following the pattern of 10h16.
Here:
12h56
